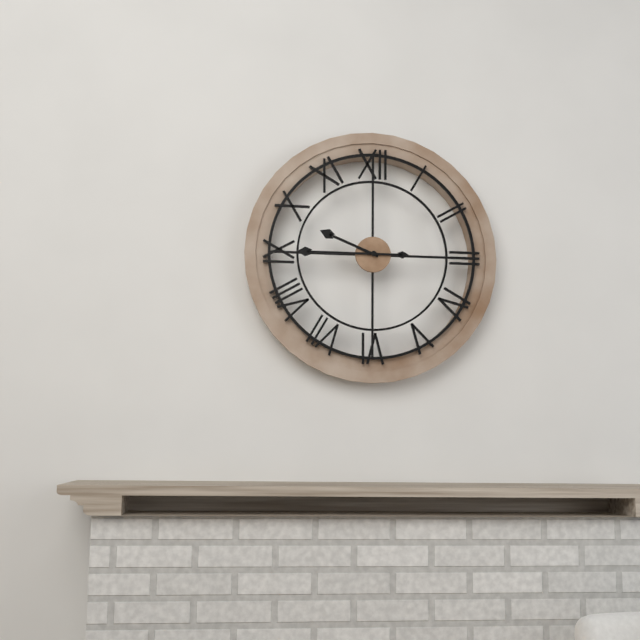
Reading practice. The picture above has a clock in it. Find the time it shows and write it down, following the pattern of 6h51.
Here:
9h45
